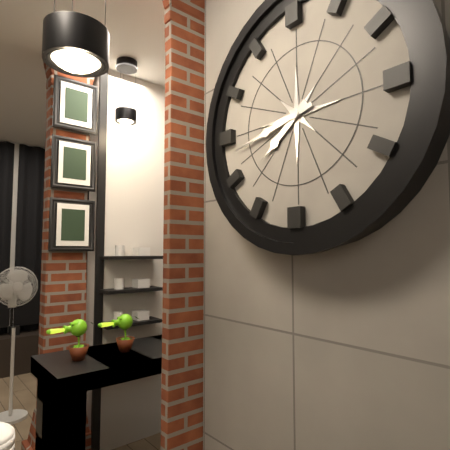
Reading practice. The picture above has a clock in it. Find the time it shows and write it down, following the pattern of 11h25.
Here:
7h43
